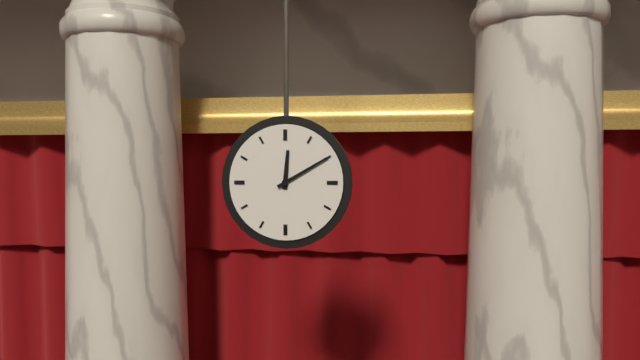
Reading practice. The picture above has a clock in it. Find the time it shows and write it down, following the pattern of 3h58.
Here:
12h10
